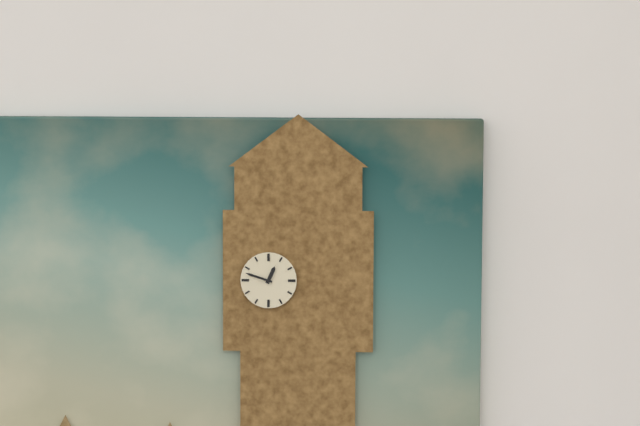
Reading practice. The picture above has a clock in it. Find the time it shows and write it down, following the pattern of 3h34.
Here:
12h48
